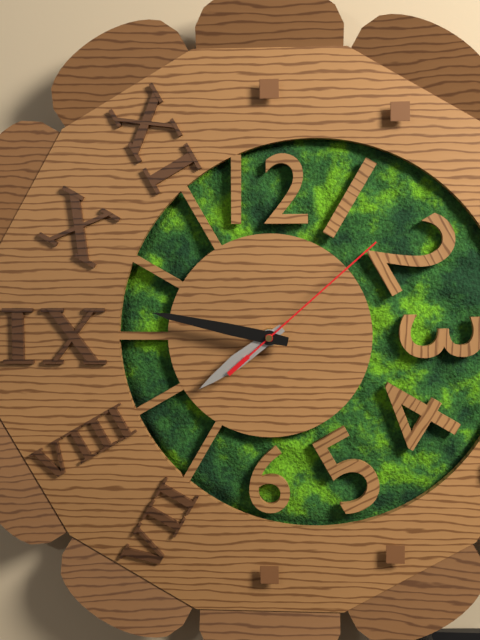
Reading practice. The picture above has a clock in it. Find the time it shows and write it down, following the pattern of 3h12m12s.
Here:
7h47m08s
